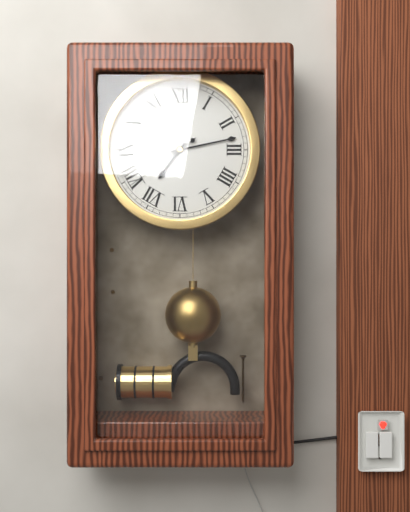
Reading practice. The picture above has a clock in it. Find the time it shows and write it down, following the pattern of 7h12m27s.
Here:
7h13m39s
